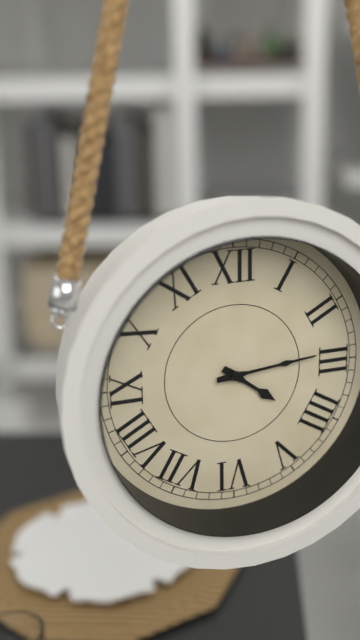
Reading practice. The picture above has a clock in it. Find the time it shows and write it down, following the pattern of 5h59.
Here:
4h14
